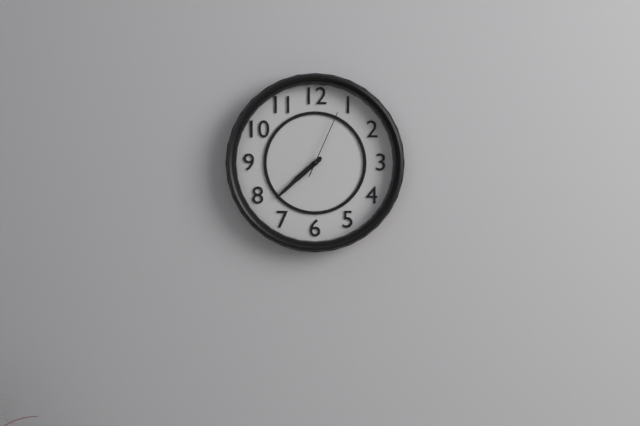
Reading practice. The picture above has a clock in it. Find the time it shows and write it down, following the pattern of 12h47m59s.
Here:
7h38m04s
